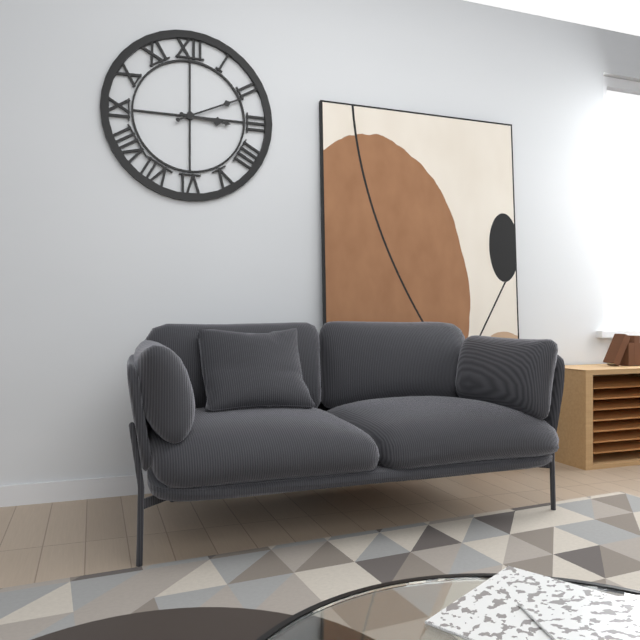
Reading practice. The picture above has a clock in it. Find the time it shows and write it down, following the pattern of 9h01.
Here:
3h11
